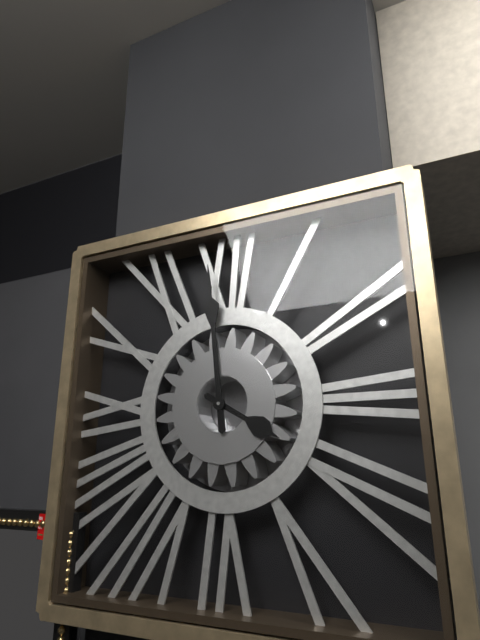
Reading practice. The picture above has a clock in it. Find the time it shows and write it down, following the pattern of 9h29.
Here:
3h59
